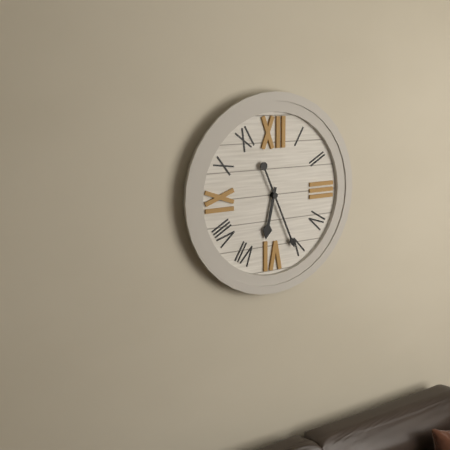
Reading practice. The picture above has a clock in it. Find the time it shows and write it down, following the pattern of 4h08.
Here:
6h26
